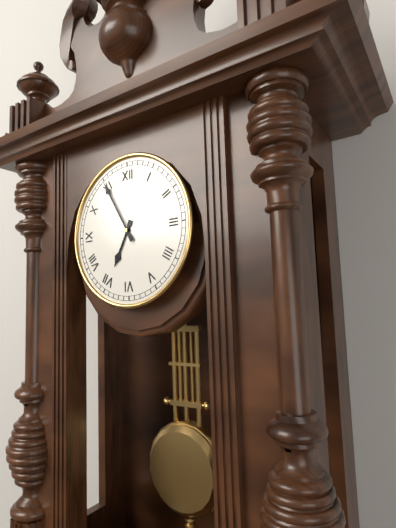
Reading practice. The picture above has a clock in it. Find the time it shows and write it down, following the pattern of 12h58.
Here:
6h55
